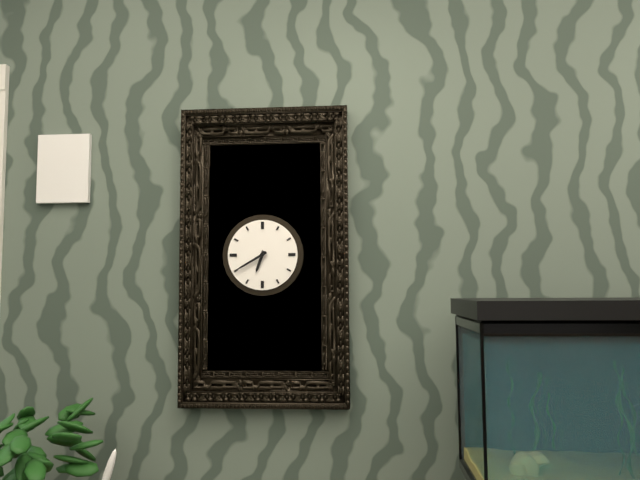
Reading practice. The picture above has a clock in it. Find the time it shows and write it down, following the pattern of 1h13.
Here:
6h40
